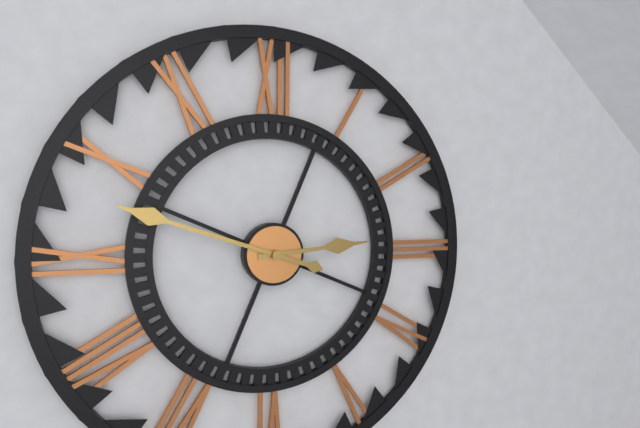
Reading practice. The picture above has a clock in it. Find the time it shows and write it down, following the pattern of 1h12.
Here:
2h48
